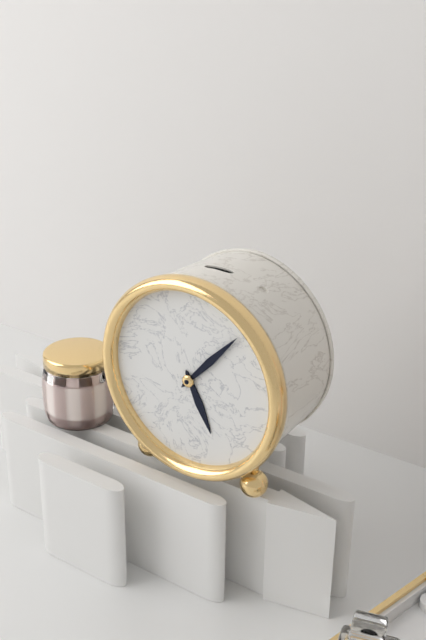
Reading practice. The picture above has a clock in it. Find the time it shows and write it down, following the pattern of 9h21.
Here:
5h07
